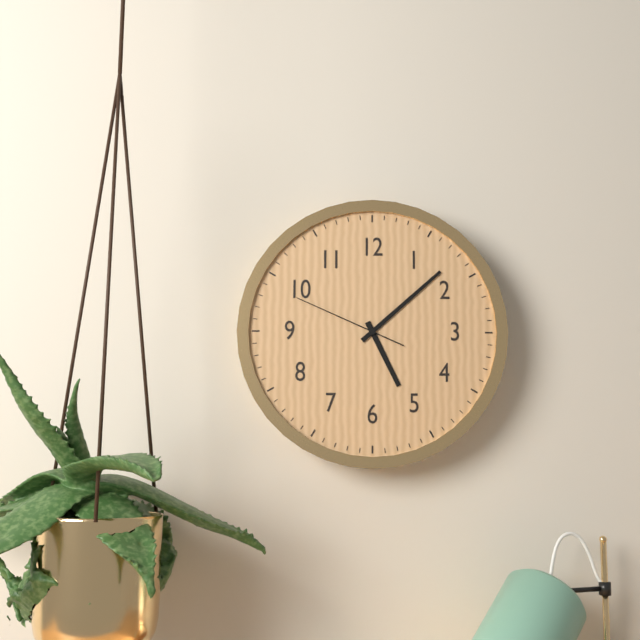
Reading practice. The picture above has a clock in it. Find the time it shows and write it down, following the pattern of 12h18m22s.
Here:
5h08m49s
